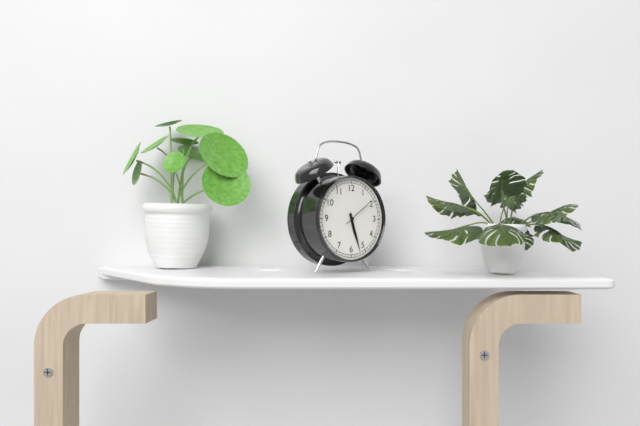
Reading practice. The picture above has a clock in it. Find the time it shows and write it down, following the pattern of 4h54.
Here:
5h27
